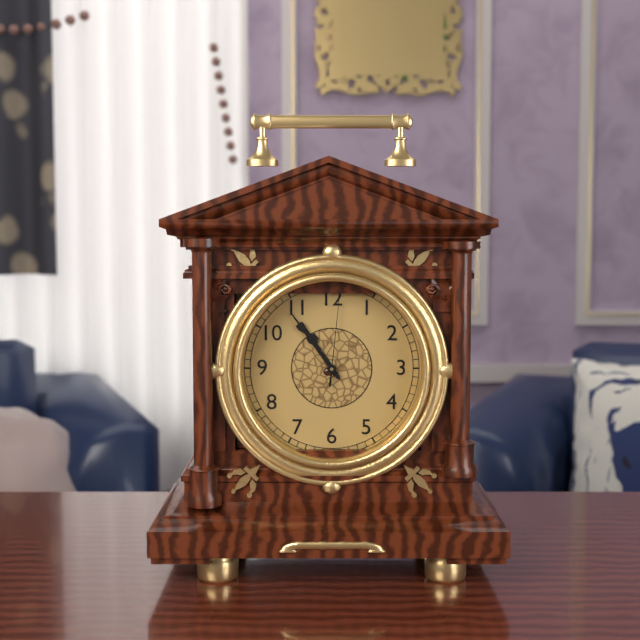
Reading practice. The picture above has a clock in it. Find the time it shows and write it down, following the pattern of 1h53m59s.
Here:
10h54m01s
